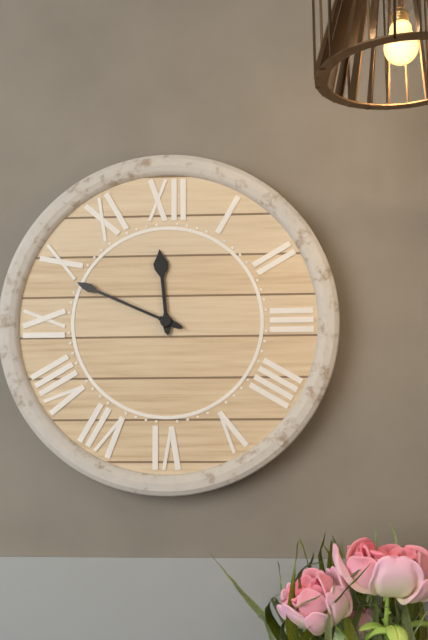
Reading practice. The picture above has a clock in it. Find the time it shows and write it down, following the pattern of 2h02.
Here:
11h49
